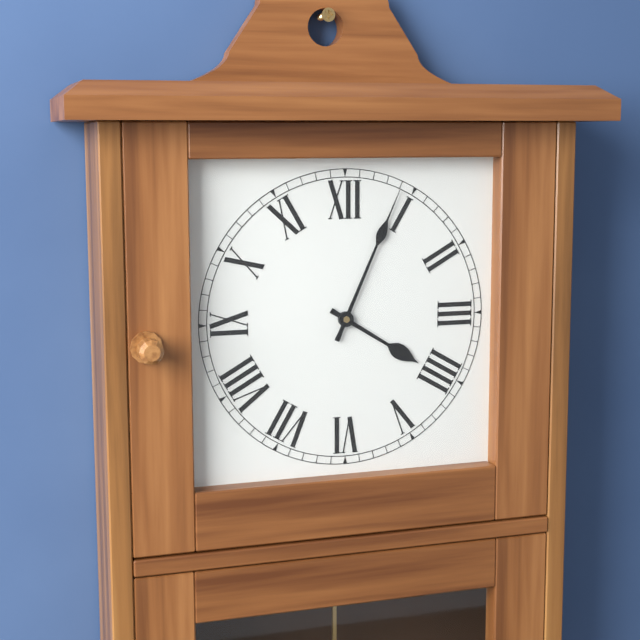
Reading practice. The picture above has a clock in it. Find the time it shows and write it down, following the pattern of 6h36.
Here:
4h04
